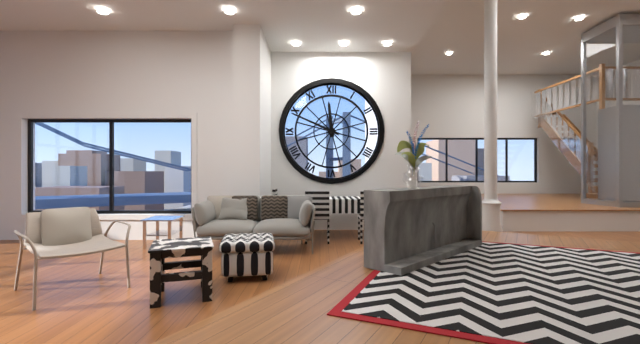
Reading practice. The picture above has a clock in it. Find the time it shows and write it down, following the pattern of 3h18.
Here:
11h49
